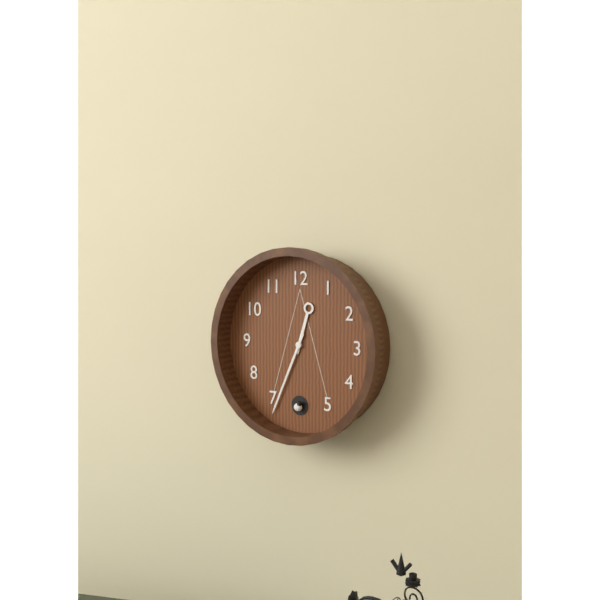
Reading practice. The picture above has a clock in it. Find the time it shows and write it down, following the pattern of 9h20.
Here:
12h34
